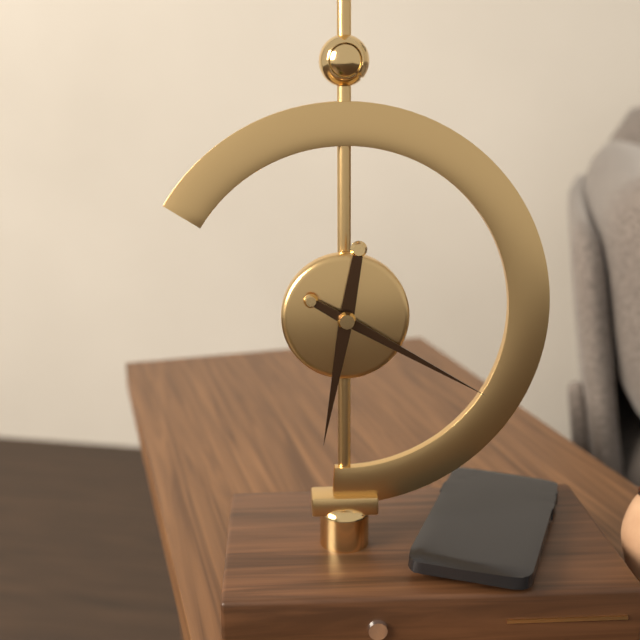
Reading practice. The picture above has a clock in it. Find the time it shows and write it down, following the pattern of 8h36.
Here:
6h20
